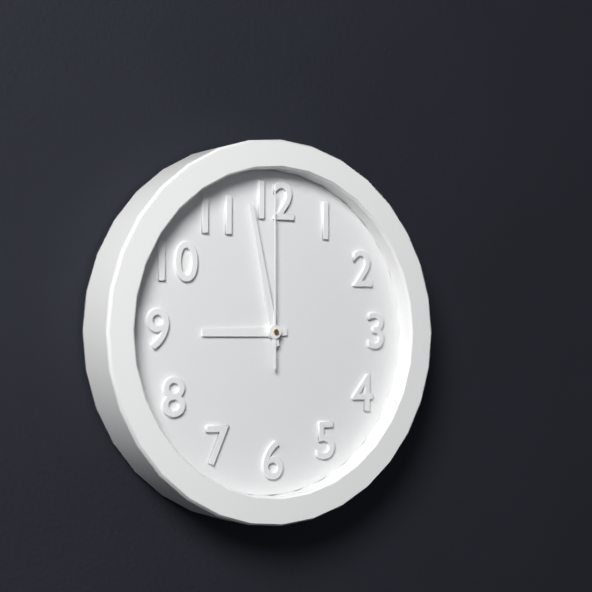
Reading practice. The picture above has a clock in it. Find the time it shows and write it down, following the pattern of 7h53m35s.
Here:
8h58m00s
